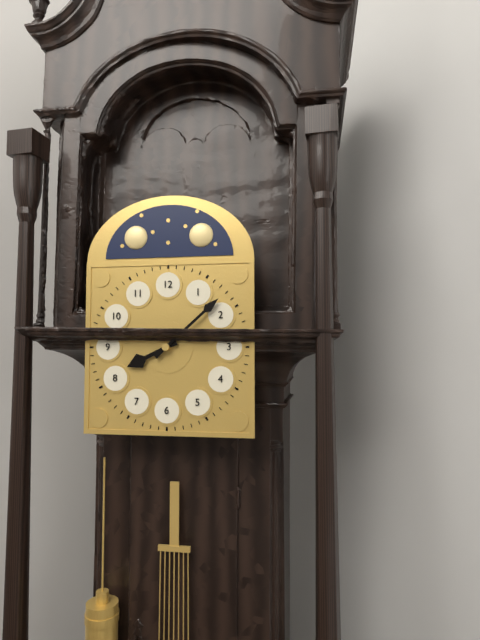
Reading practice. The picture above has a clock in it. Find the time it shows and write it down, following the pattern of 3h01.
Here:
8h08
